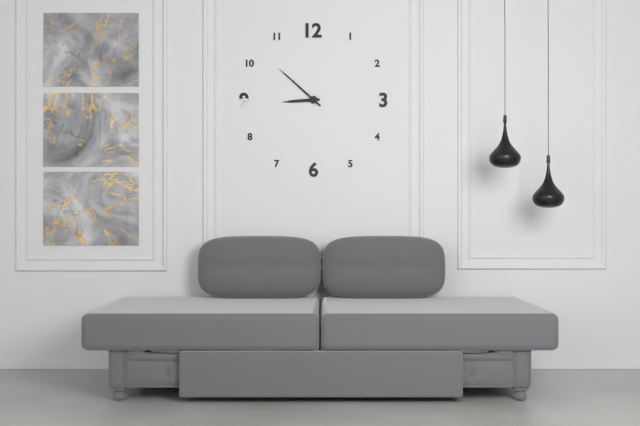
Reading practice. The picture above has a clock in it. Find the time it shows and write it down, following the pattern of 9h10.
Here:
8h52
